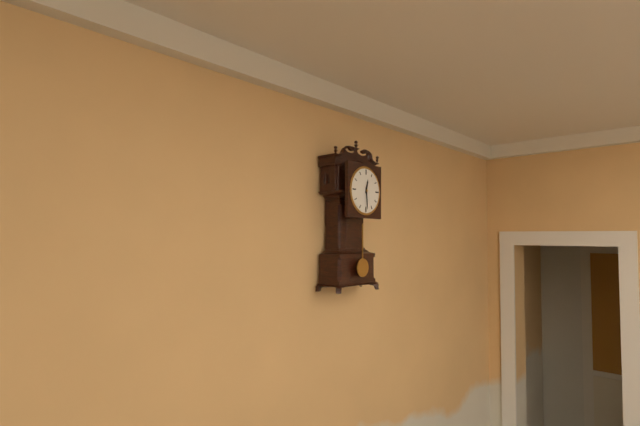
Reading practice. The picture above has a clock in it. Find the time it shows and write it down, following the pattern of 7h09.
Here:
12h29
